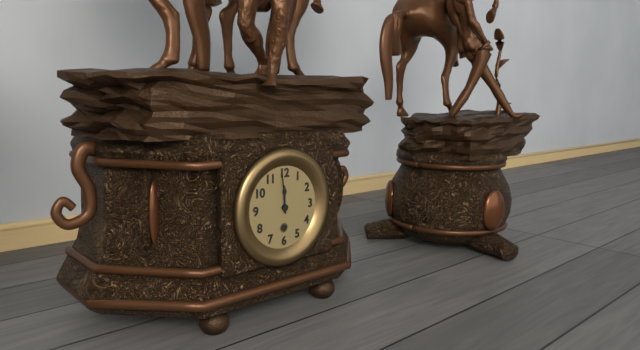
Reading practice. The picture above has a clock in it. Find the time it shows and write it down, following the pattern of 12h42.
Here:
11h59
